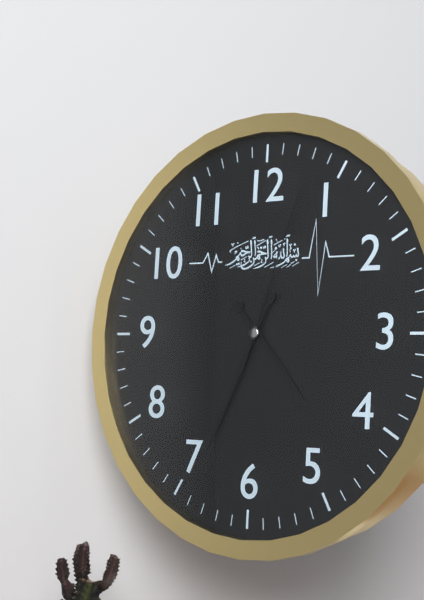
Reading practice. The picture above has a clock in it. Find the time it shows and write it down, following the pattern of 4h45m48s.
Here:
4h34m03s
